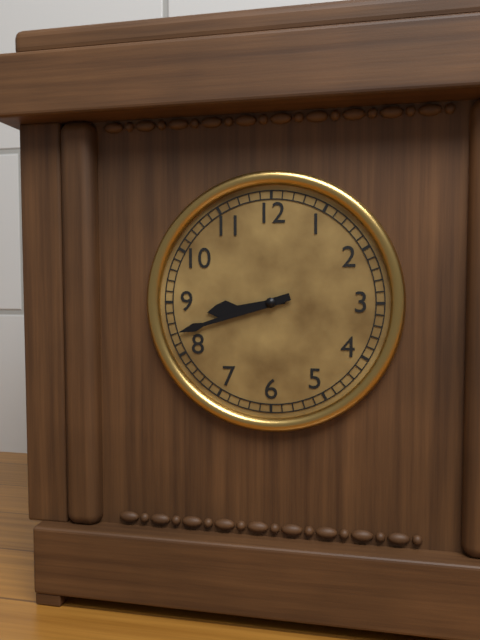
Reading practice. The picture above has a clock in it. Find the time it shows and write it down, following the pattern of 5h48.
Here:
8h42
